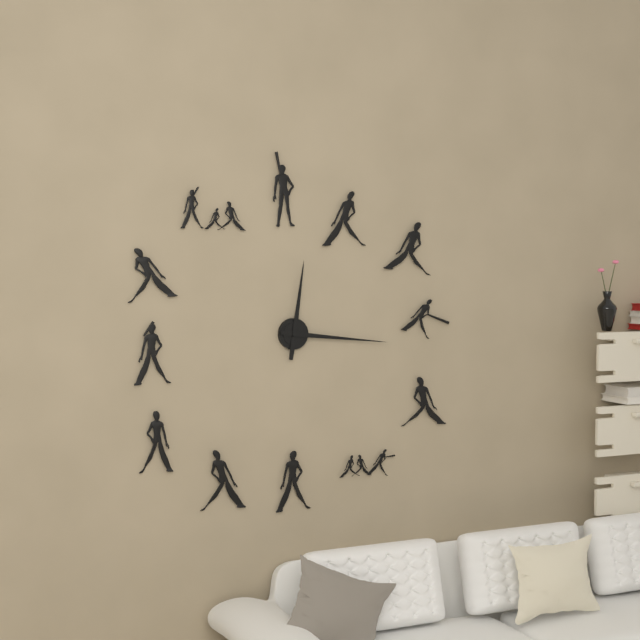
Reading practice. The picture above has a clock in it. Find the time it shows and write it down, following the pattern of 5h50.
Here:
12h16
